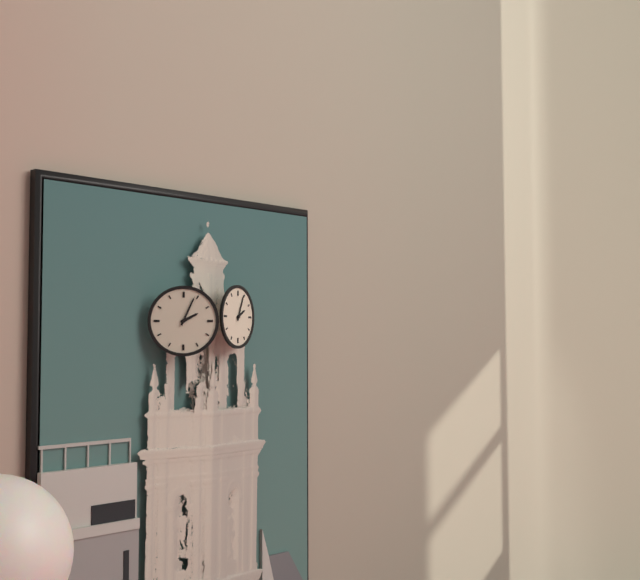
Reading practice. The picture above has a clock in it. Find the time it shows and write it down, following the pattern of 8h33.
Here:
2h04
